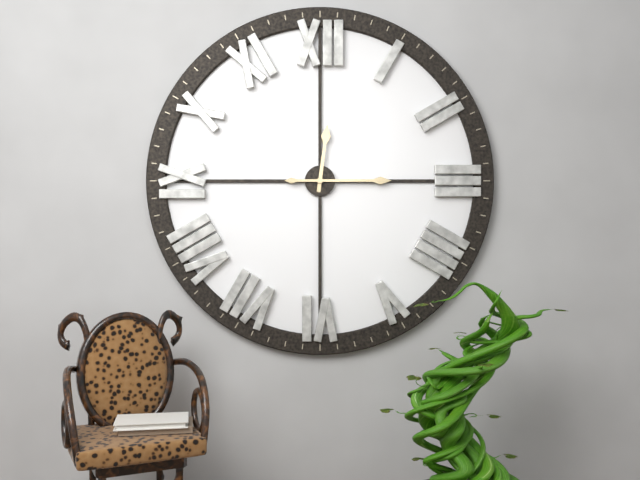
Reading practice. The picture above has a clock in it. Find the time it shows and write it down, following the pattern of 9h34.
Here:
12h15
